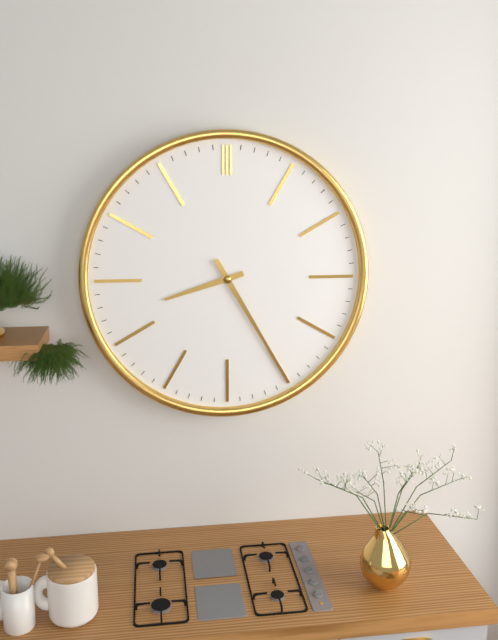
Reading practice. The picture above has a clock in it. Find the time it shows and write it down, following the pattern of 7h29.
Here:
8h25
